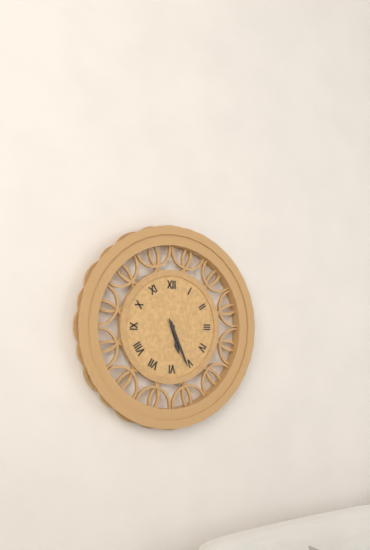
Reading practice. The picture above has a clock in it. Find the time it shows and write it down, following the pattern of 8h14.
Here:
5h26
